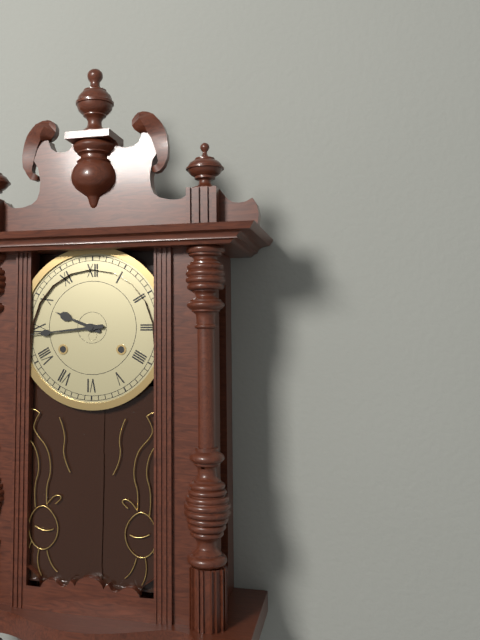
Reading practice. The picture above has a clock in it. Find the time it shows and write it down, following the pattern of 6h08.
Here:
9h44
